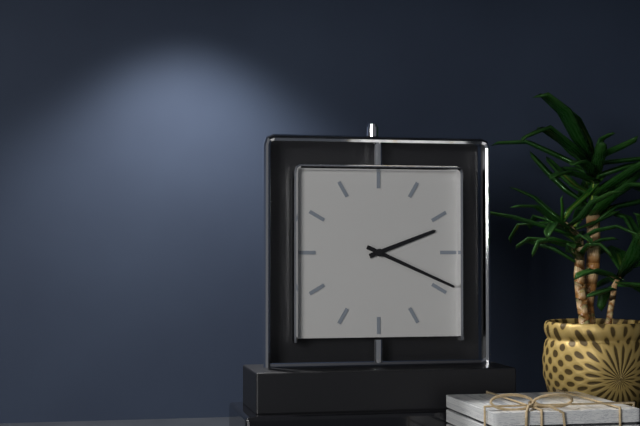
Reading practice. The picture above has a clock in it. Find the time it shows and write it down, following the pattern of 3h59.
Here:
2h19
